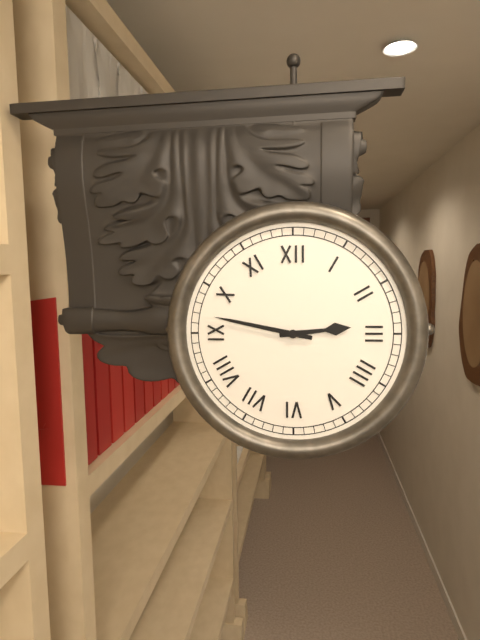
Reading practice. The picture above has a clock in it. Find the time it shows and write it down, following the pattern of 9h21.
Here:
2h47
